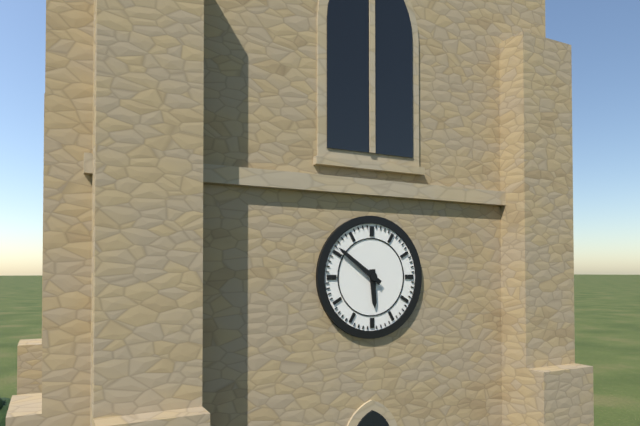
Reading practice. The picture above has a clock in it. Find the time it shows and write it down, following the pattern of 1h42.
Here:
5h51
